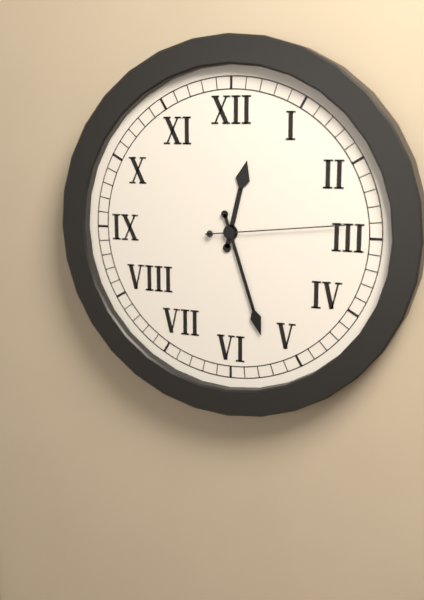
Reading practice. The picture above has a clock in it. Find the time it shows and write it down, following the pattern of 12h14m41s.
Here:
12h27m14s
